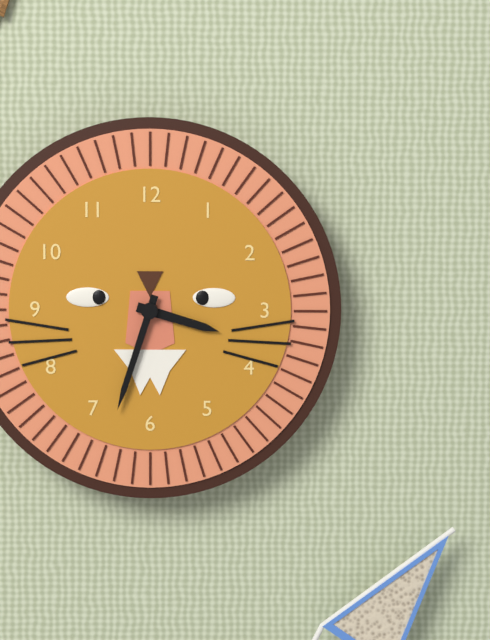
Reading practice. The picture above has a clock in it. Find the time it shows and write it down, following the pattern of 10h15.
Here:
3h33
